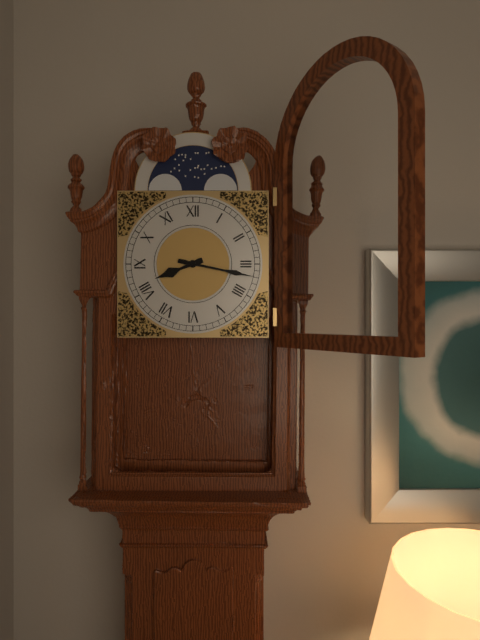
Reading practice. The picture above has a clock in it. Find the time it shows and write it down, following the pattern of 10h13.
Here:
8h17
